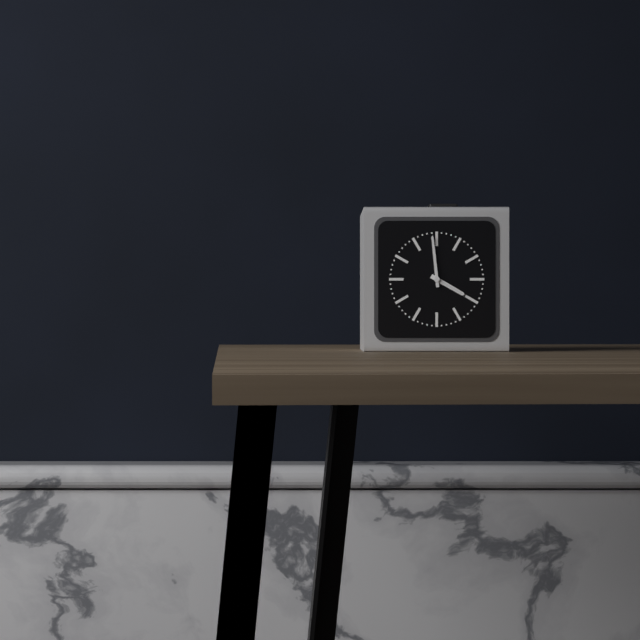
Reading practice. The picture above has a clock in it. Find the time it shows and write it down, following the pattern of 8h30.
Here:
3h59
